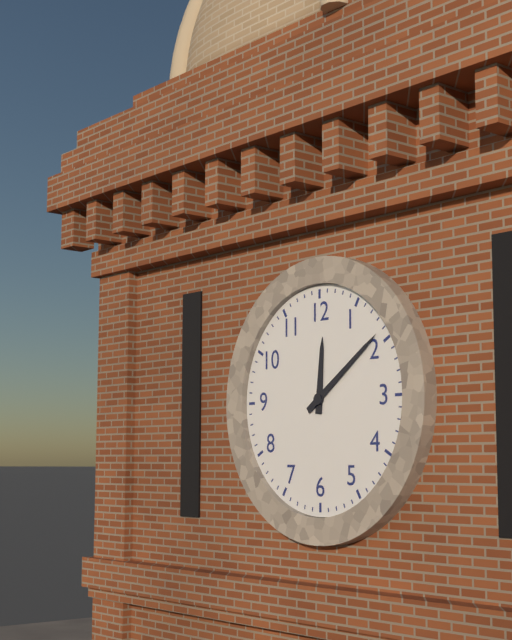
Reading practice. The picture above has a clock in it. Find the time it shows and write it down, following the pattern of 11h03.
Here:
12h09
